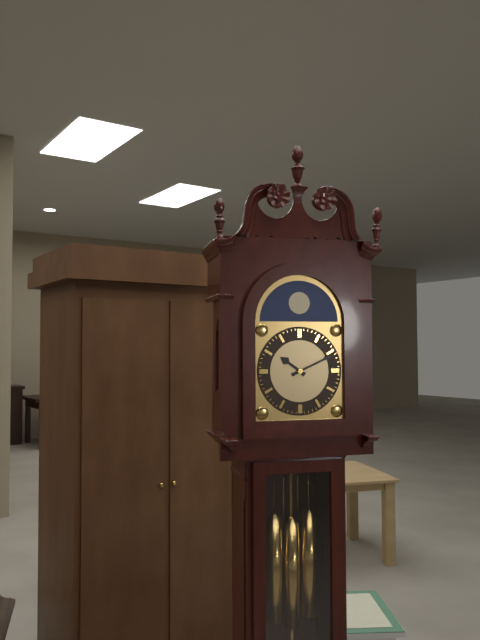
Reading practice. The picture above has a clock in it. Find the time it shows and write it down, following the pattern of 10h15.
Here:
10h11
